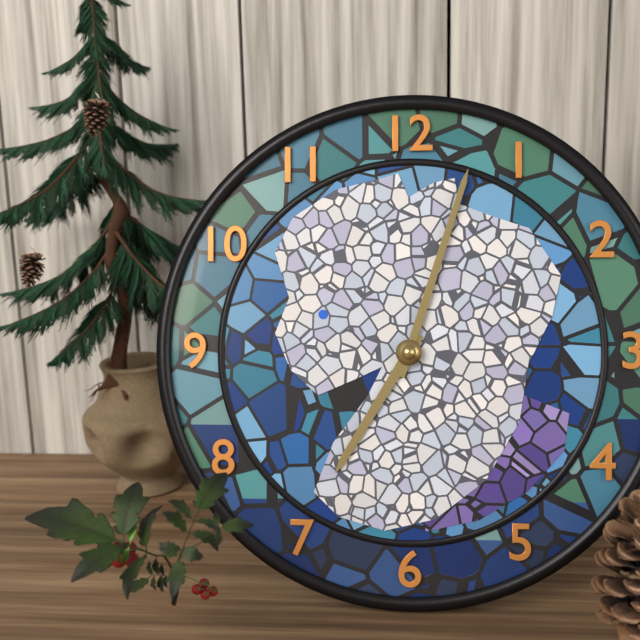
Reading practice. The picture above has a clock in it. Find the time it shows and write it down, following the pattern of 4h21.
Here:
7h03
